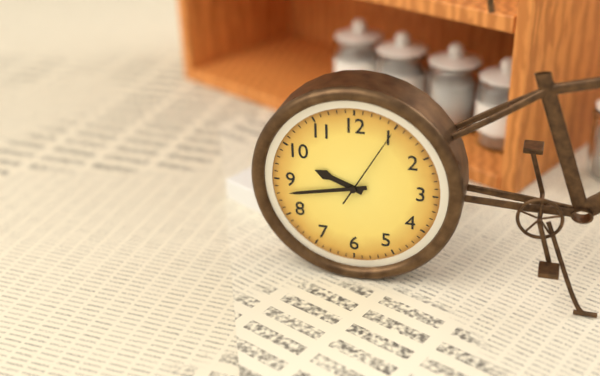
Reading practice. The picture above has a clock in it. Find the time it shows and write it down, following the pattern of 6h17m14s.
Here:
9h43m05s
